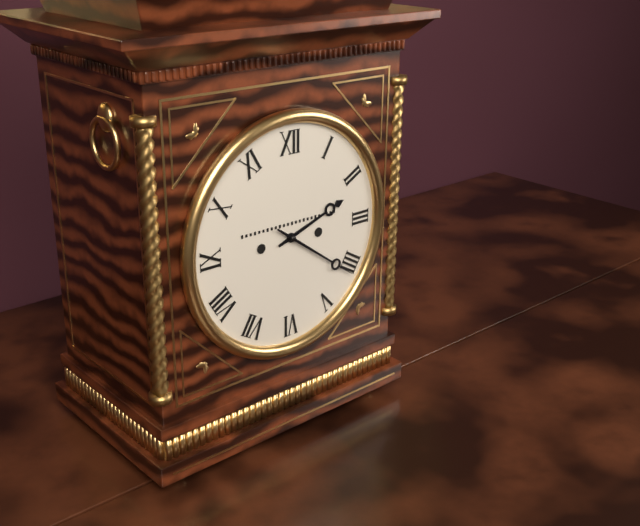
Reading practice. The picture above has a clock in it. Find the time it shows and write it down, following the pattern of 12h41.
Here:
2h21
